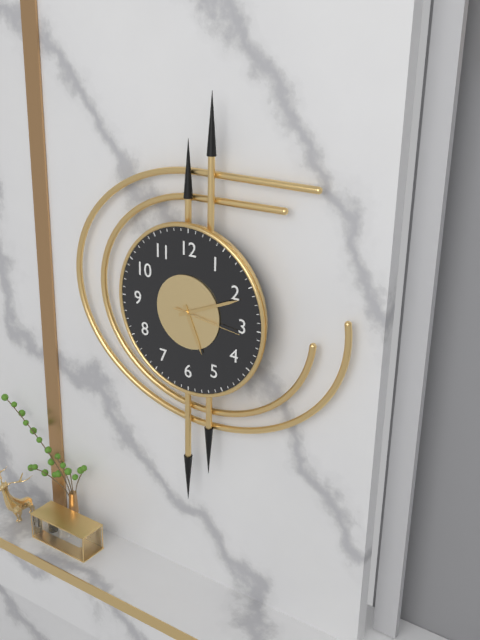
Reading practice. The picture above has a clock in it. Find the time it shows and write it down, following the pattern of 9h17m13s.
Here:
5h11m16s
